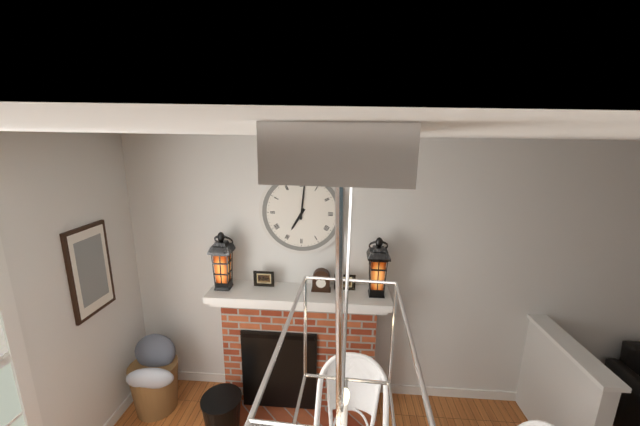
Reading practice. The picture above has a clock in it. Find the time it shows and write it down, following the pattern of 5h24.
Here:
7h01
